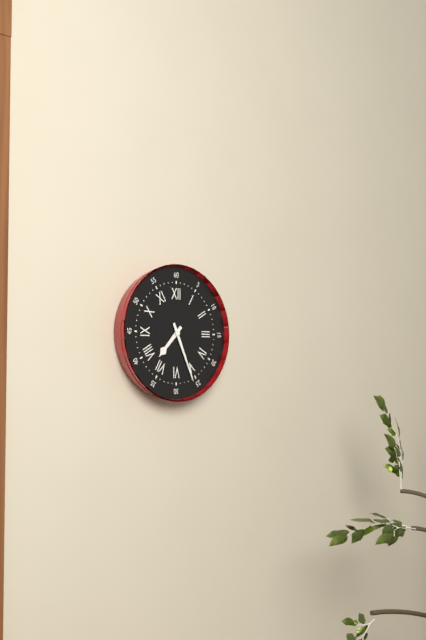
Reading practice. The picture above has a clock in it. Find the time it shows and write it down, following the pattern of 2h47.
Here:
7h26
